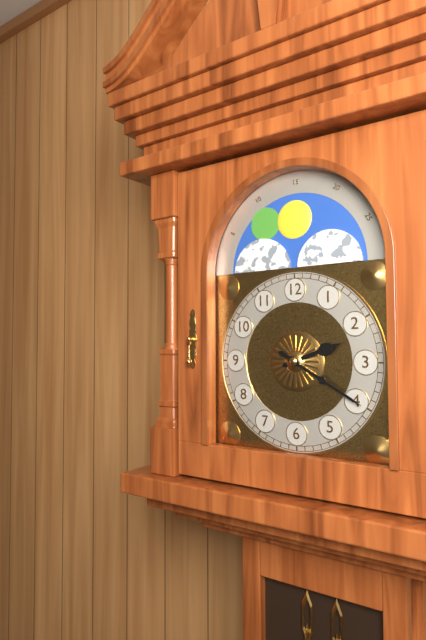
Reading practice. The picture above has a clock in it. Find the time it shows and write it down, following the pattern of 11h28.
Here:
2h20
